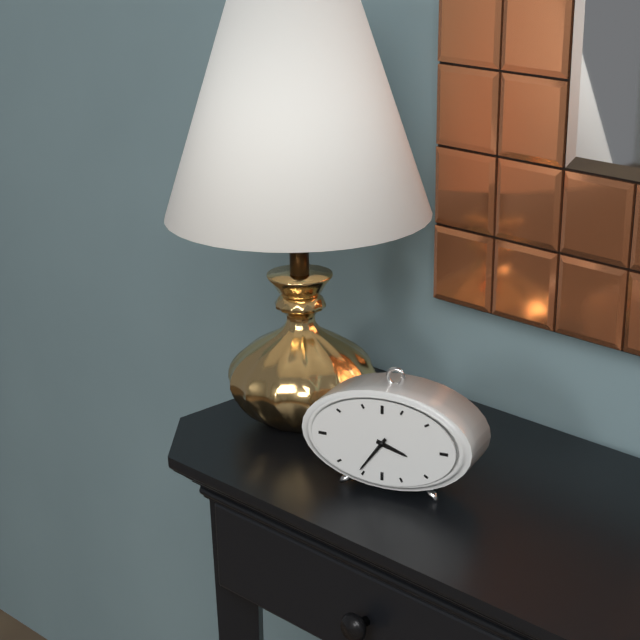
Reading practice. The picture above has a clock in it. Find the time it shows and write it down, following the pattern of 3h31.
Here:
3h36
